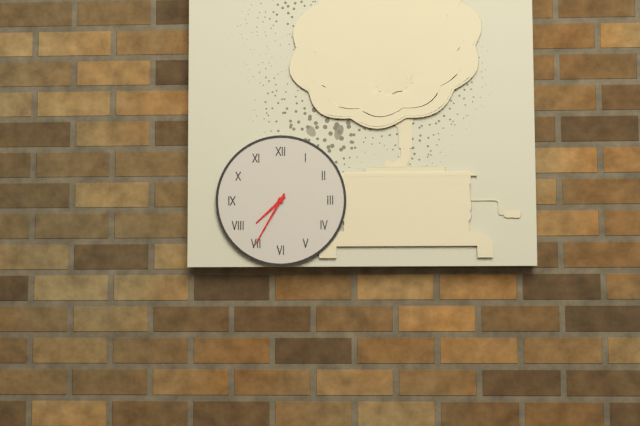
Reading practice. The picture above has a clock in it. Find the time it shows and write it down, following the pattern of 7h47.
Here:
7h35
